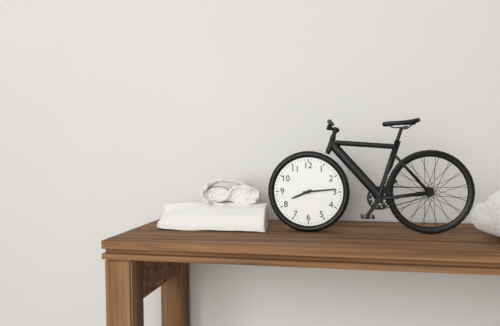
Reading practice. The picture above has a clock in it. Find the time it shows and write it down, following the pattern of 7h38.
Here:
8h14
